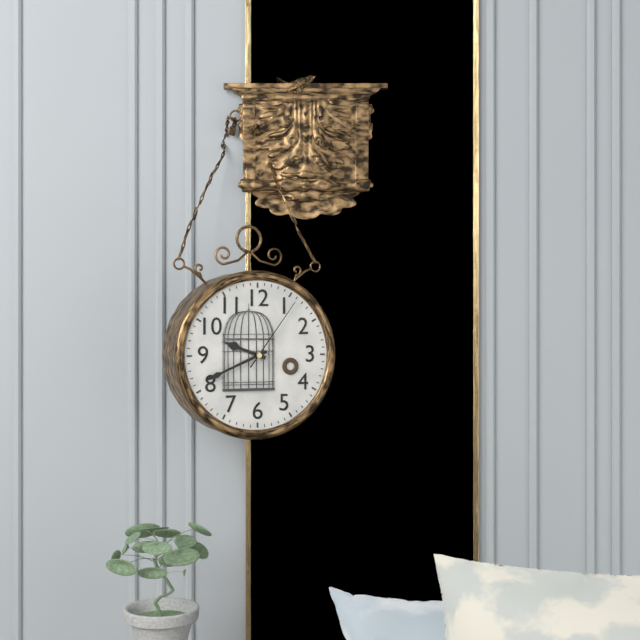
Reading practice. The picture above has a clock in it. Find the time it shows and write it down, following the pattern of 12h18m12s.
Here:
9h41m06s
